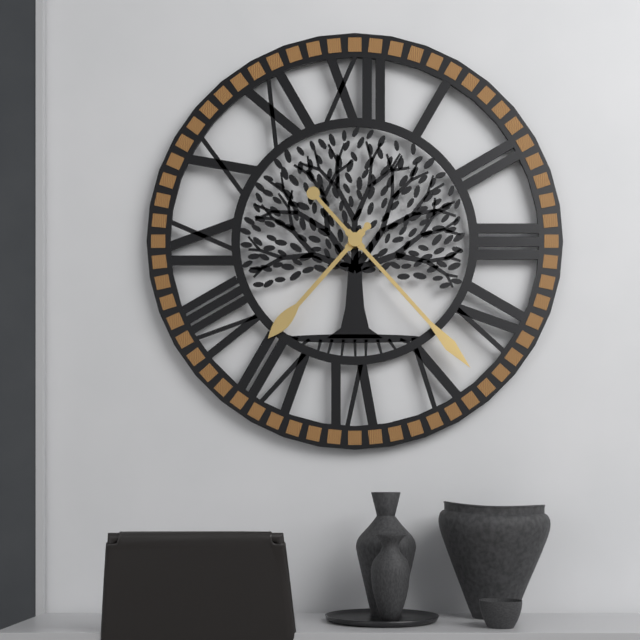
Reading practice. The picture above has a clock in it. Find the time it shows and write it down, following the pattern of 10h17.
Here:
7h23
